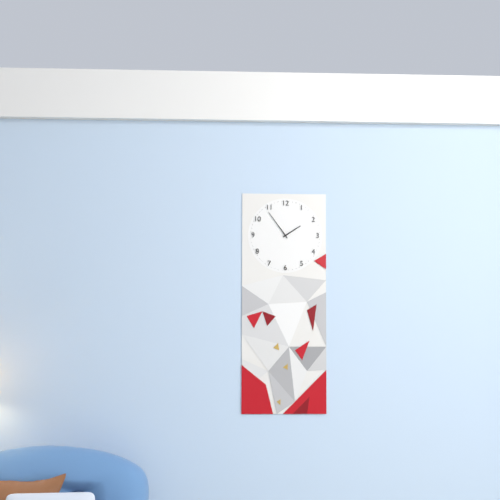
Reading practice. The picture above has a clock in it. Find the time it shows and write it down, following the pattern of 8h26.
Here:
1h54
